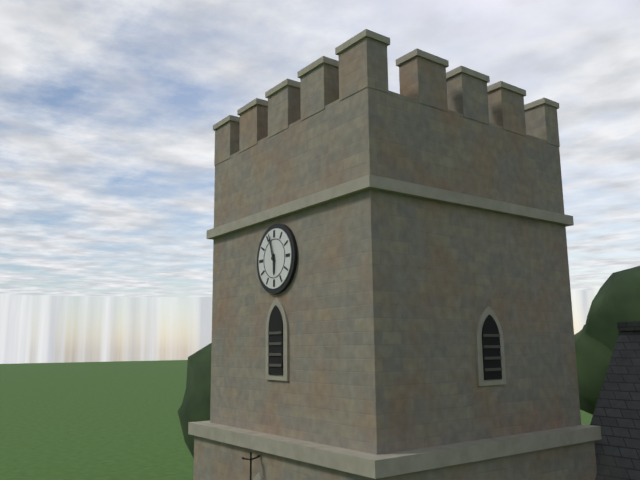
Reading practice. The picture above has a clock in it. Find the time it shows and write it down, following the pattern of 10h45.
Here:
5h57
